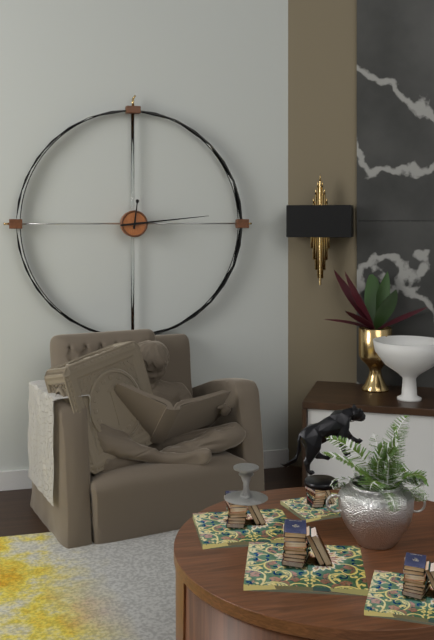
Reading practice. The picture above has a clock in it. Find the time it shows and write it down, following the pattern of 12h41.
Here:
12h14
